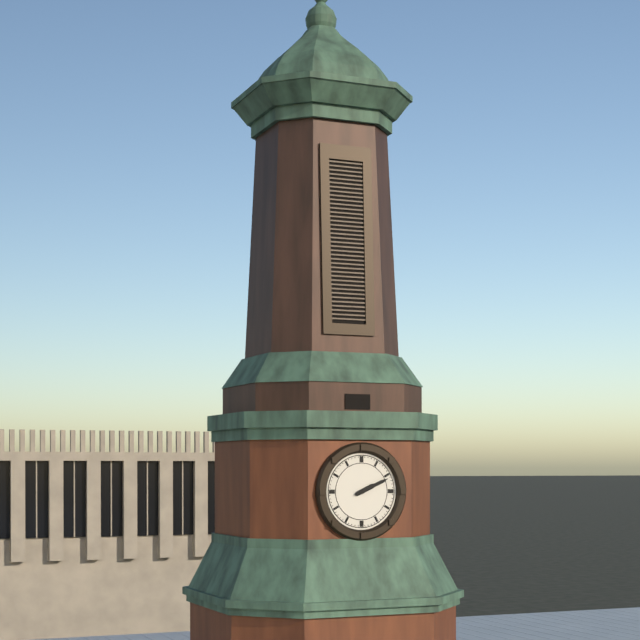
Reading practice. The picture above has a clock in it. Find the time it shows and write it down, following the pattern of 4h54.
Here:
2h11
